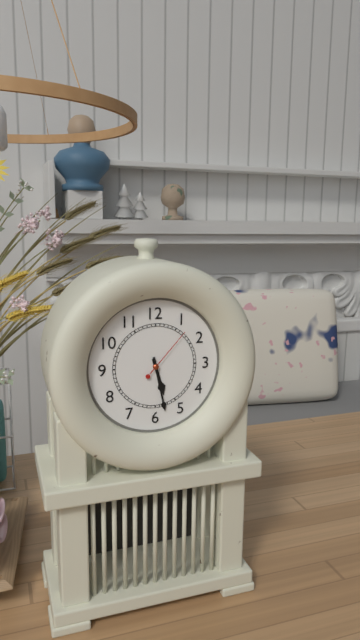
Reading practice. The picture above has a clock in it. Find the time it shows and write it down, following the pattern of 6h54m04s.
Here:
5h28m07s
